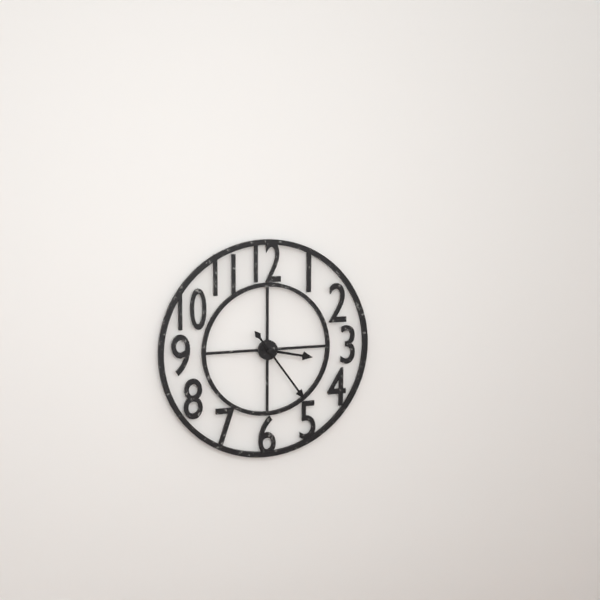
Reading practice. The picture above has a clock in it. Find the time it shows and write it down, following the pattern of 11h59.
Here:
3h24
